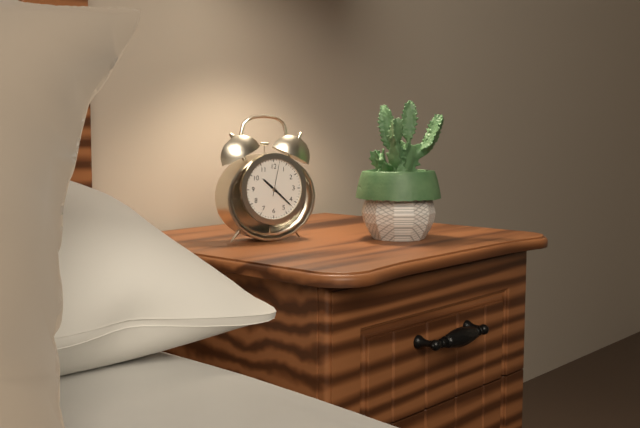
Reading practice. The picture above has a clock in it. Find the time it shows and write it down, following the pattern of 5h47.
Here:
10h22
